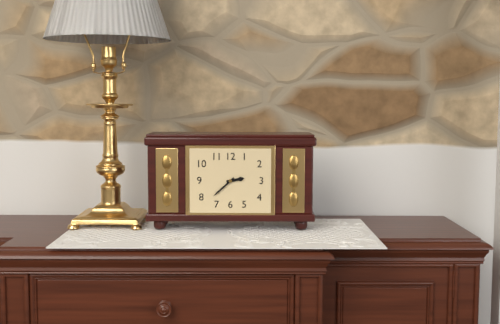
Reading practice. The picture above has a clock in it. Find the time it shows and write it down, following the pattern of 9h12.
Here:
2h38
